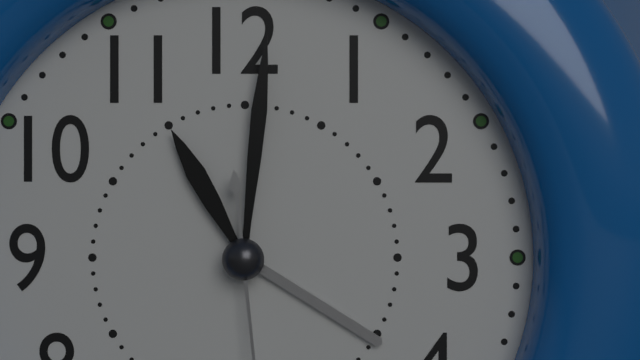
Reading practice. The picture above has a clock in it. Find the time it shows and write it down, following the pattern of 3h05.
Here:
11h01
